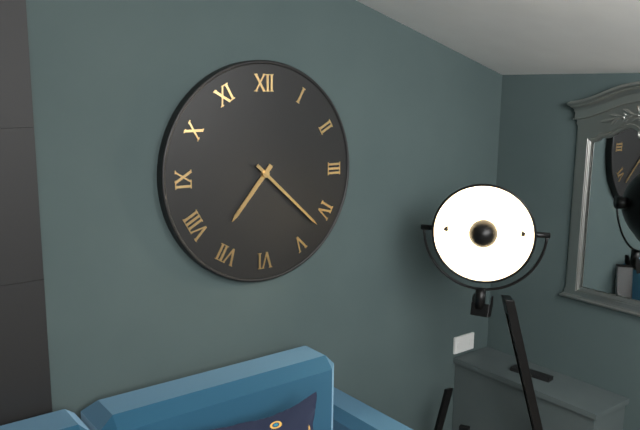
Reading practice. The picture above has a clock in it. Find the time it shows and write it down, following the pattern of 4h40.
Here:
7h22
